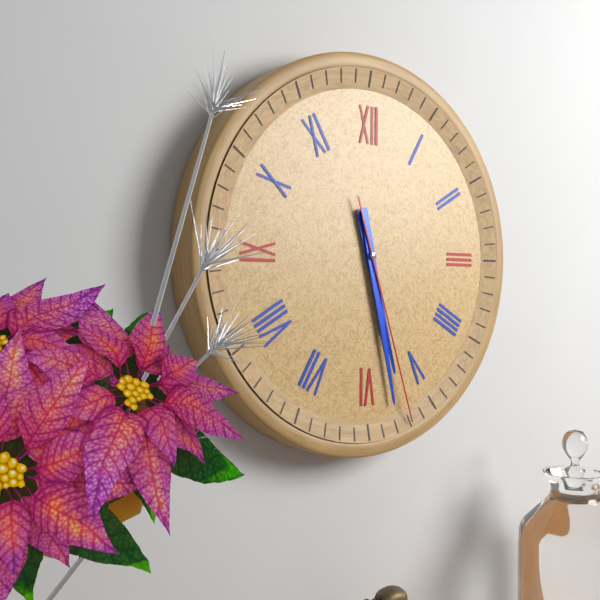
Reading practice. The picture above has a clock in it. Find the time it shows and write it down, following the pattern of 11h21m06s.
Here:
5h28m27s
